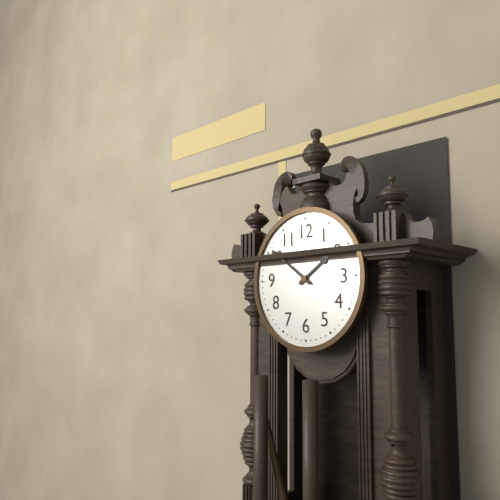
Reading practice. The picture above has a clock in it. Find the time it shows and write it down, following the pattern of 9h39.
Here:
1h51
